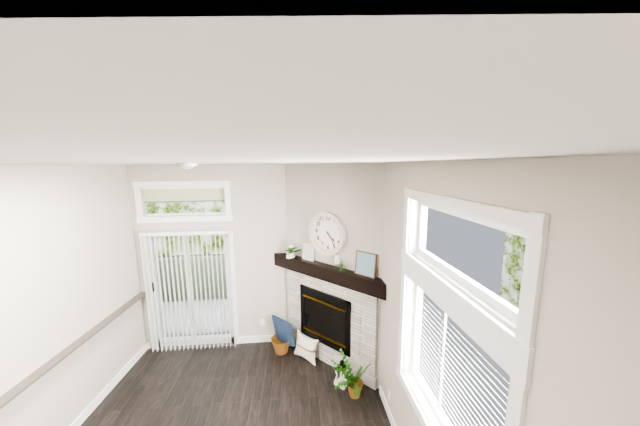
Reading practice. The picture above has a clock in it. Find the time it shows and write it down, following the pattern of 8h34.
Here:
4h24
